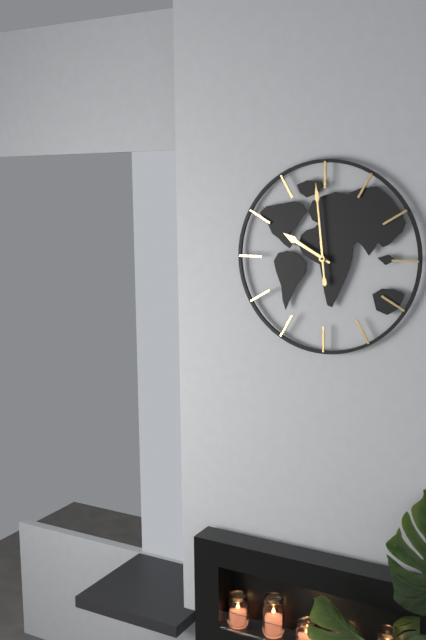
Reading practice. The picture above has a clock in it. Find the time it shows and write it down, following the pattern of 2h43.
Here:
9h59
